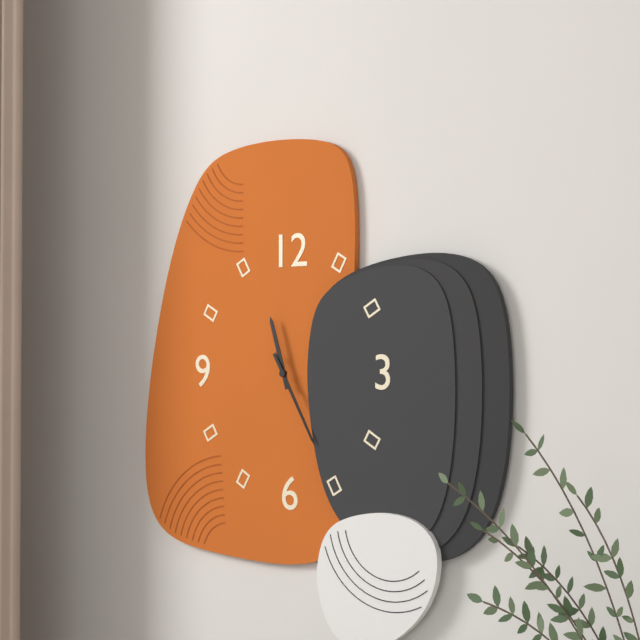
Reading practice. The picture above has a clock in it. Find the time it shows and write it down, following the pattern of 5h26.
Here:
11h25
